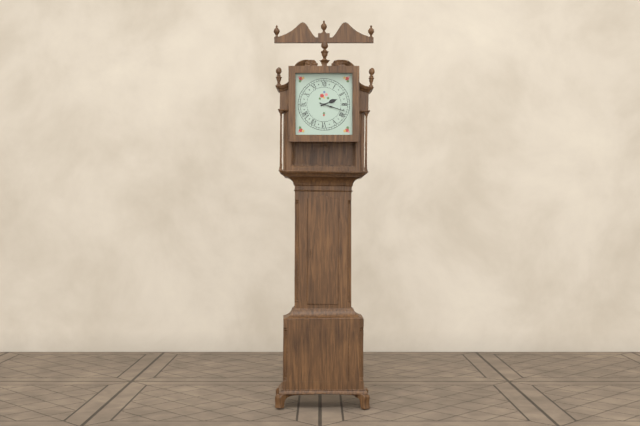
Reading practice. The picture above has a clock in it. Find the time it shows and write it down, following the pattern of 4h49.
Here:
2h18
